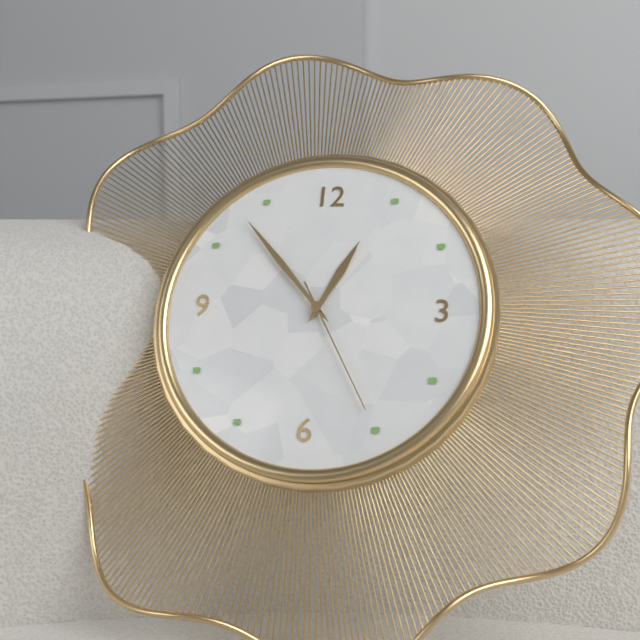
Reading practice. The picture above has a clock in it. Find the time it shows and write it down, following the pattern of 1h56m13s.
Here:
12h53m25s
